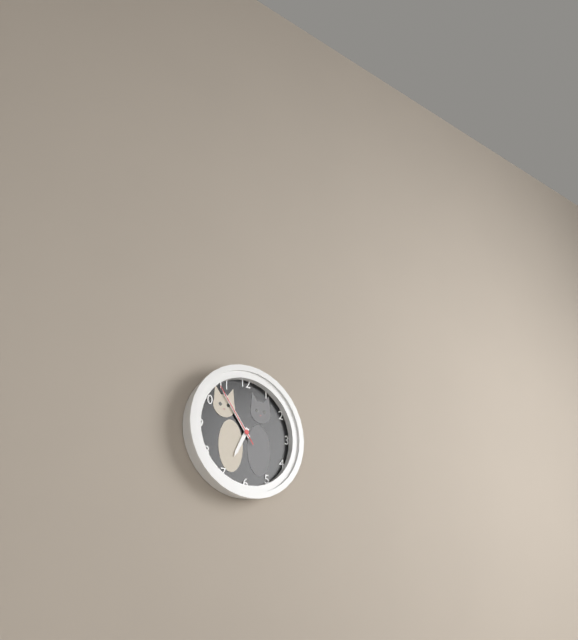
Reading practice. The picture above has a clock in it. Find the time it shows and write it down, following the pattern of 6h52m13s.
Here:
6h54m54s
